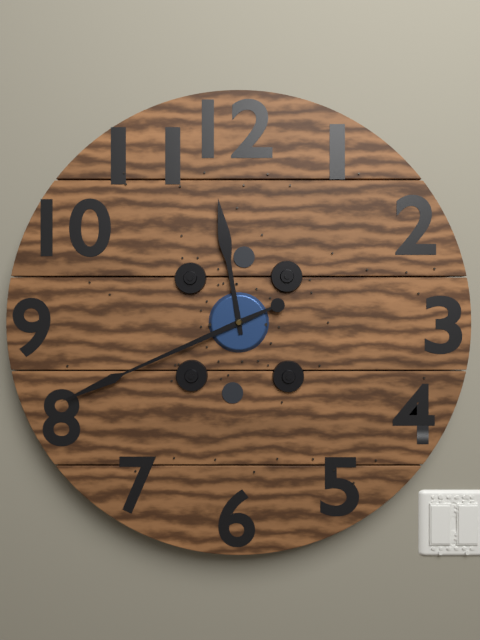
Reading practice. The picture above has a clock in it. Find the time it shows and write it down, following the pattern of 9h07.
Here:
11h41
